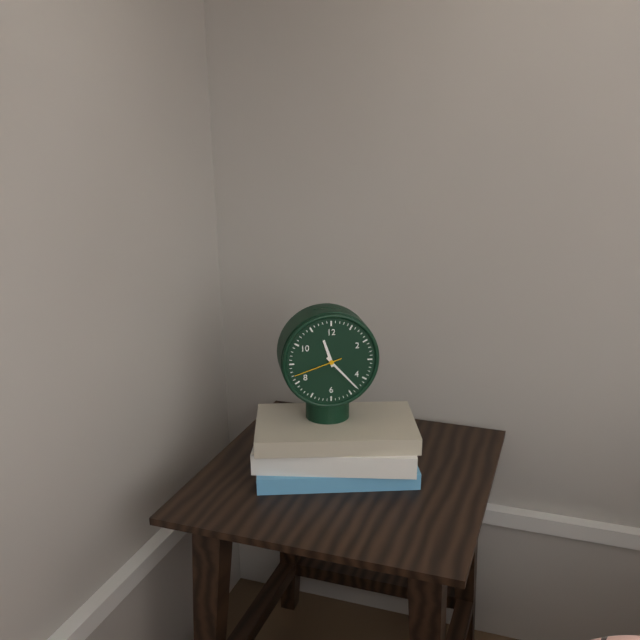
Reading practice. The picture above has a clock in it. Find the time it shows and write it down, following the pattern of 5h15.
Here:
11h23
